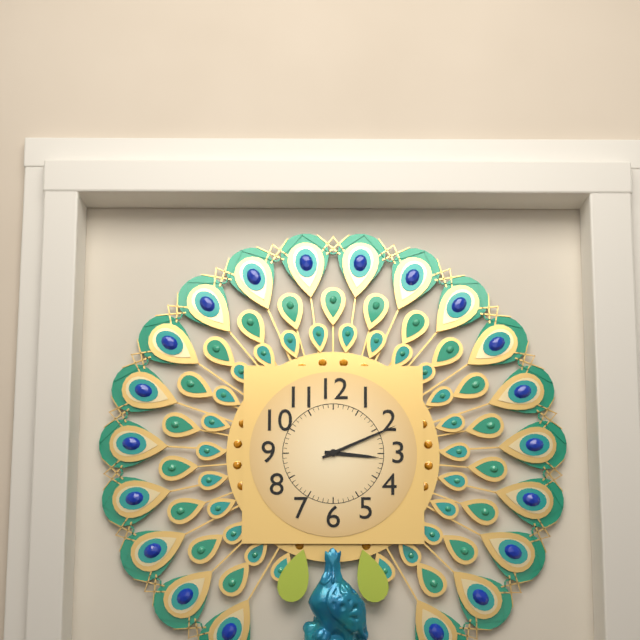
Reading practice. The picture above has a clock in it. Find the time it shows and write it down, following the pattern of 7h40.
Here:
3h11
